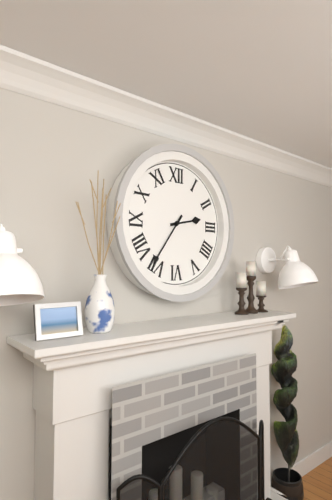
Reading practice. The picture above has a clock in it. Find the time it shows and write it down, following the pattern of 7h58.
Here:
2h36
